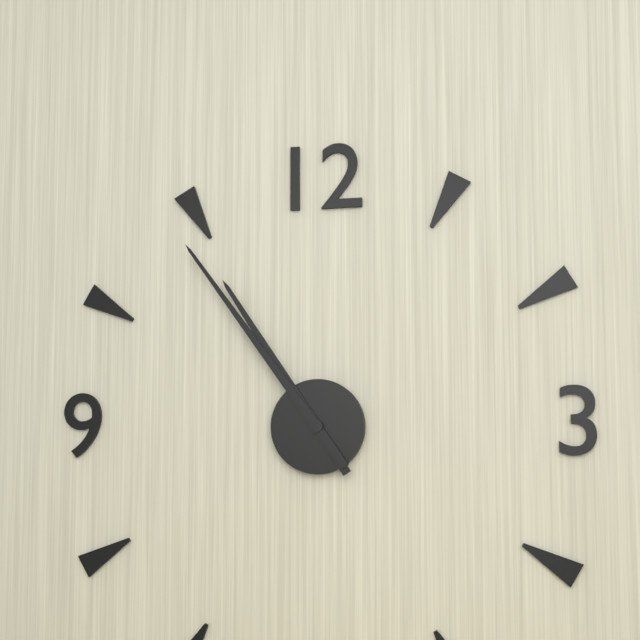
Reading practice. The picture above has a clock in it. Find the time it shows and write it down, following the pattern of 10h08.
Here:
10h54
